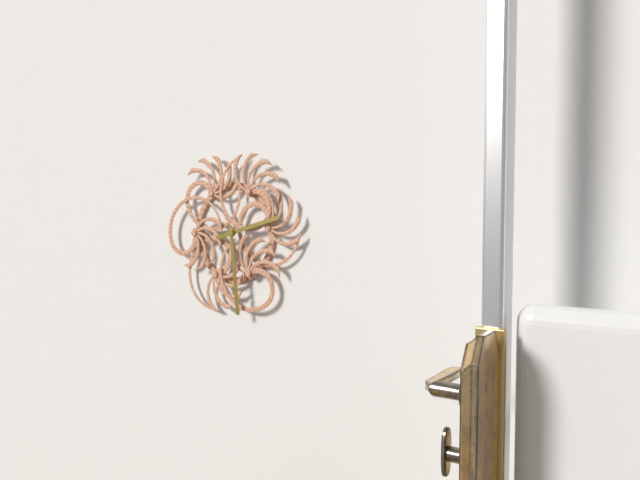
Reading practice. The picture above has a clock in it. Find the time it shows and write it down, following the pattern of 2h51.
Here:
2h29
